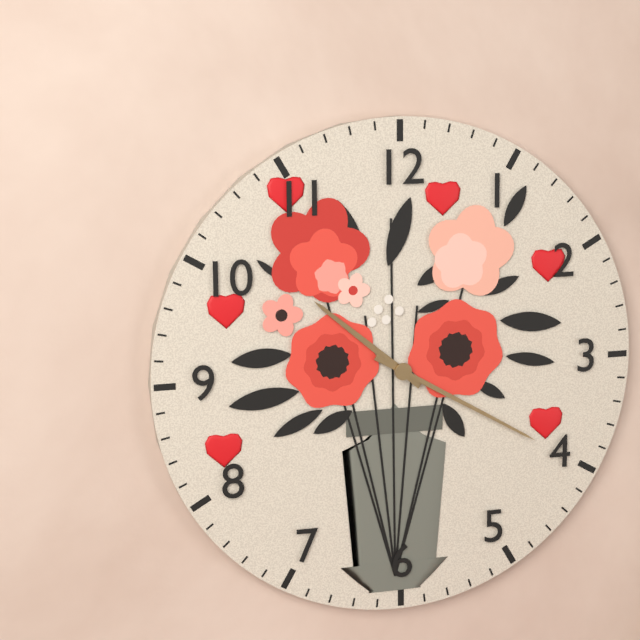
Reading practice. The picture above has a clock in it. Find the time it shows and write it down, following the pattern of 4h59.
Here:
10h20
